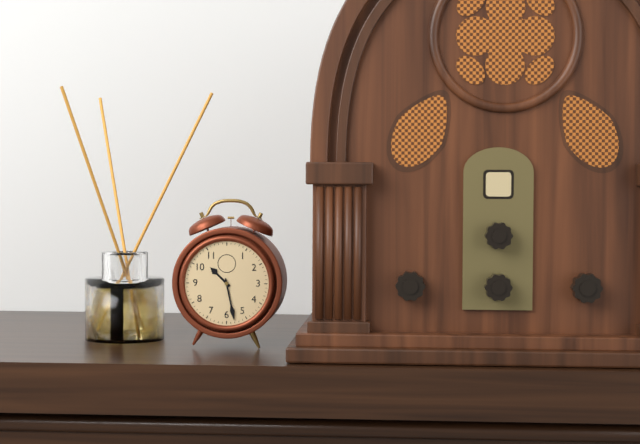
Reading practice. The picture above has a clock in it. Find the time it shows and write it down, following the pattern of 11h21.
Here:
10h28
